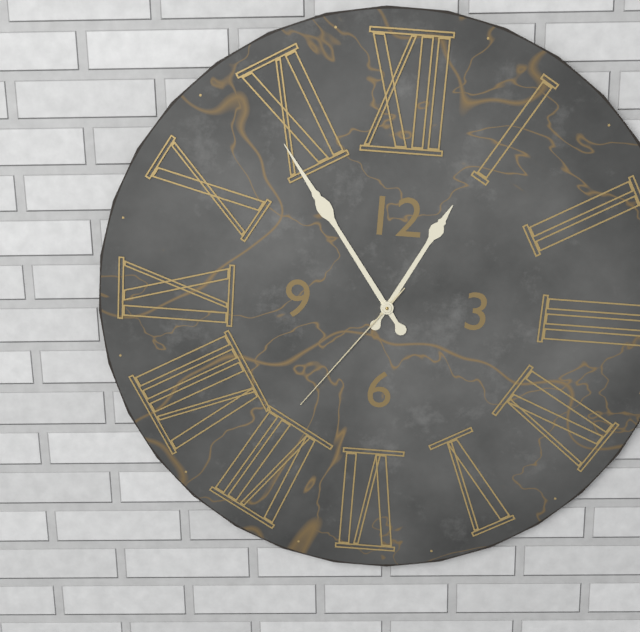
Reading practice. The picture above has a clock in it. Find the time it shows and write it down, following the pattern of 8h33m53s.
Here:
12h54m36s
